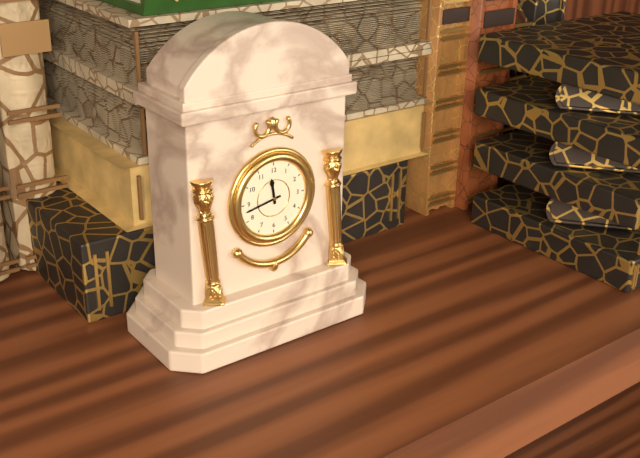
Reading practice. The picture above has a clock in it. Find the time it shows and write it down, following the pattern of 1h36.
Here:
11h43
